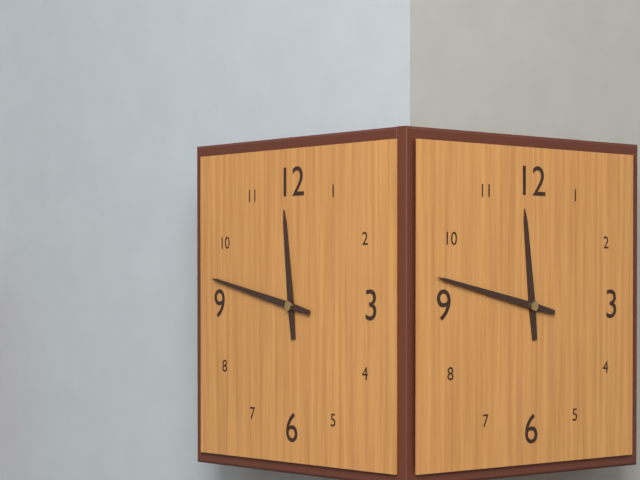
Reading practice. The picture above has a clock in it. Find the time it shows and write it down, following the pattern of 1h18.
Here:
11h47
